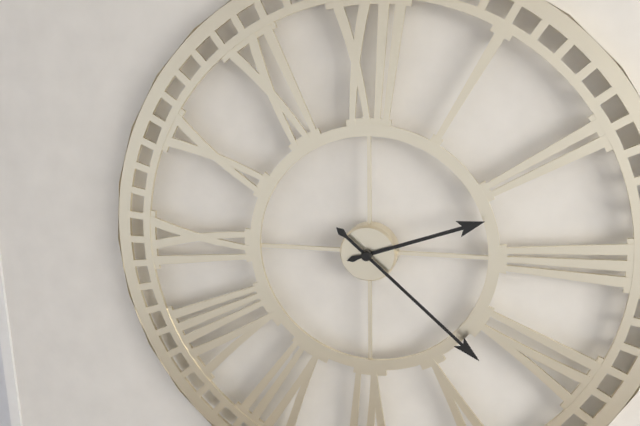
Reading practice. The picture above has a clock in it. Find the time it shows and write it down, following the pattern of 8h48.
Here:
2h22
